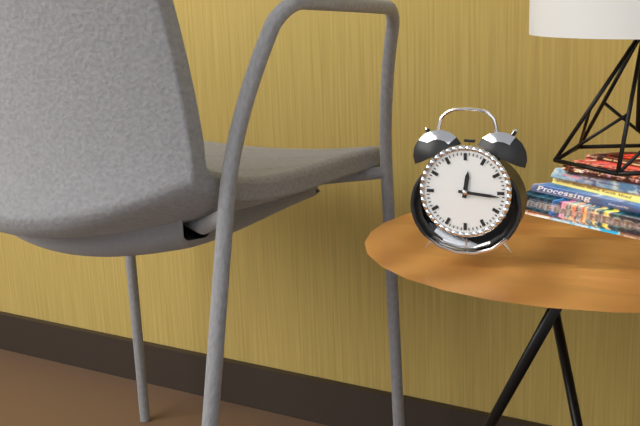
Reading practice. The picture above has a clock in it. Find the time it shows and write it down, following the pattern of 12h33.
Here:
12h16
